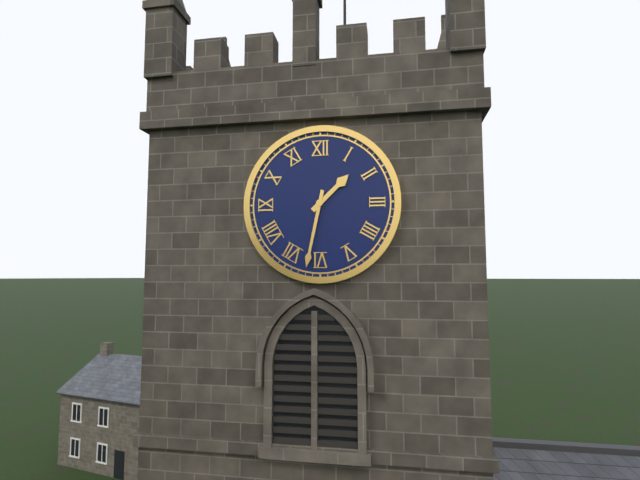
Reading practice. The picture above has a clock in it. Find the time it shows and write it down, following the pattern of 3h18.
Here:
1h32
